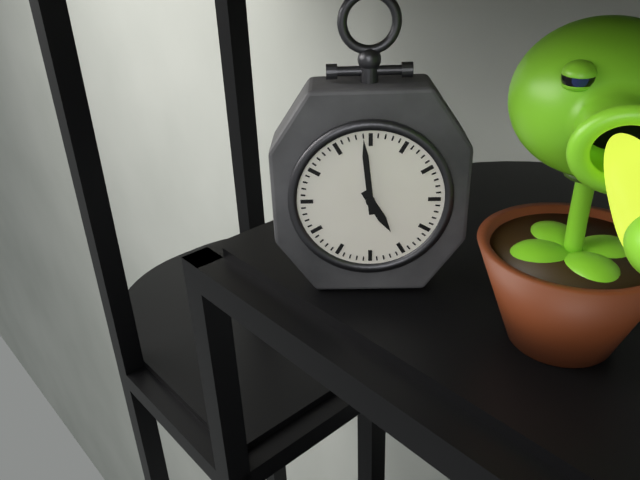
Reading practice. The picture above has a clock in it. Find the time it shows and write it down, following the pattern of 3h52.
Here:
4h59
